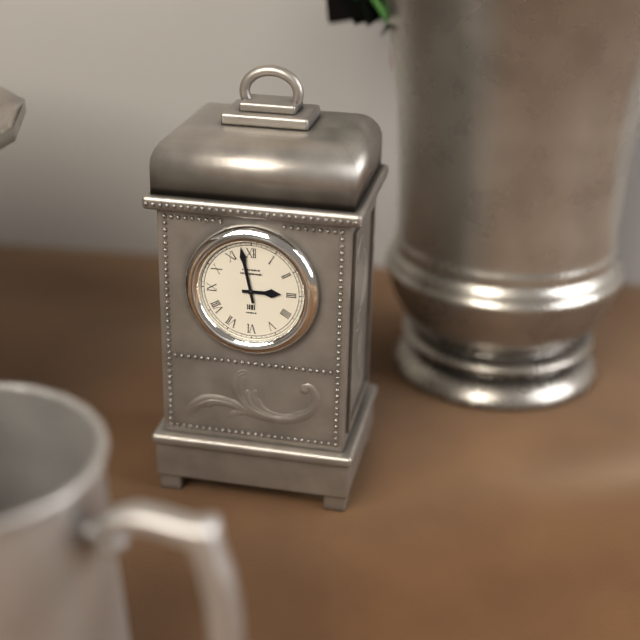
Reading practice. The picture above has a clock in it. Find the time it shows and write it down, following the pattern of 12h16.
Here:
2h58
